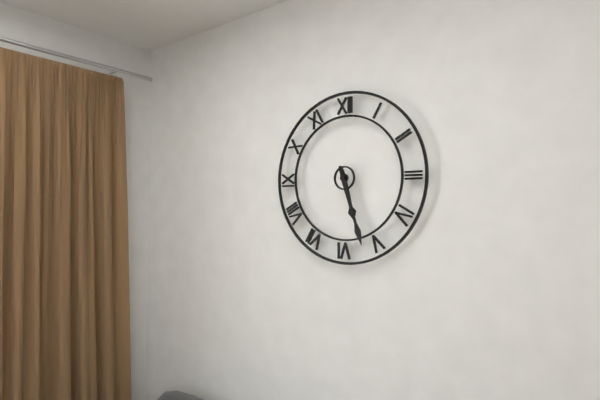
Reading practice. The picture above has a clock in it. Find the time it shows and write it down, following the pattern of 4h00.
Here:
5h27
